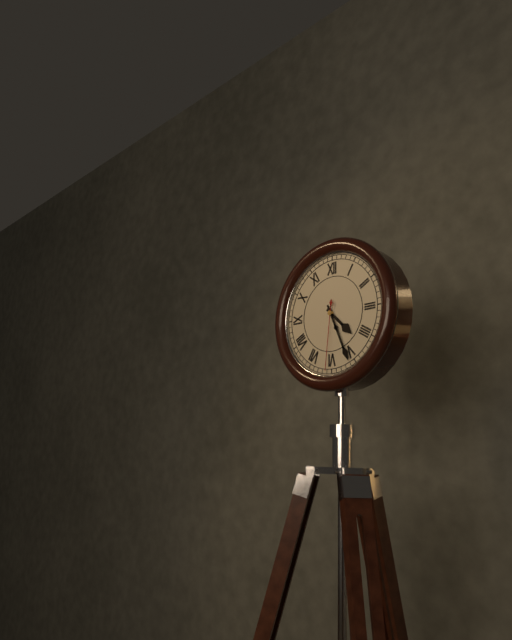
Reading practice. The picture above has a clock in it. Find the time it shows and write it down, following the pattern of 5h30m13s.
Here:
4h26m31s
